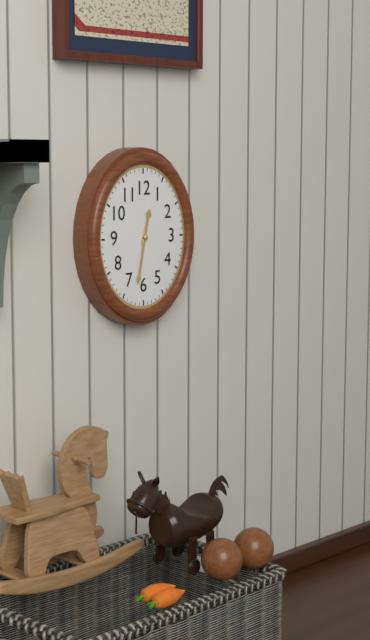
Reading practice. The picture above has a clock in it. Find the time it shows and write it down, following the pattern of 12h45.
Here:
12h32
